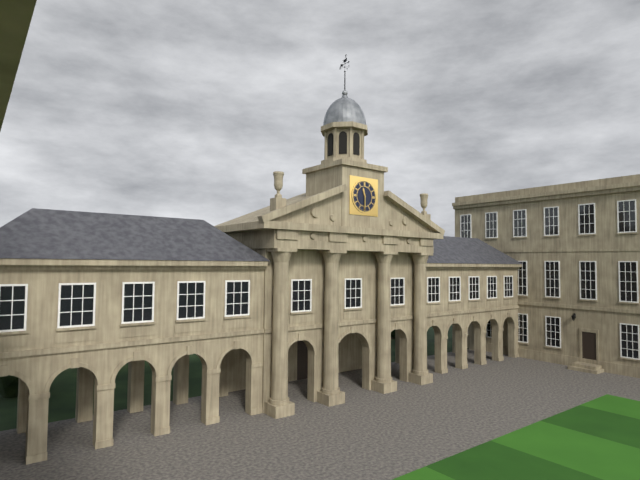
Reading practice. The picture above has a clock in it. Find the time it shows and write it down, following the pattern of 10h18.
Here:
11h30
